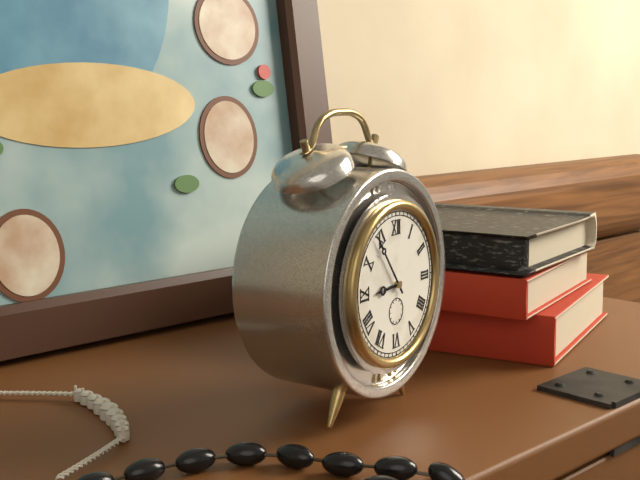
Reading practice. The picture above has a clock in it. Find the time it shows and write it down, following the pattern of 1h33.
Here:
8h54
